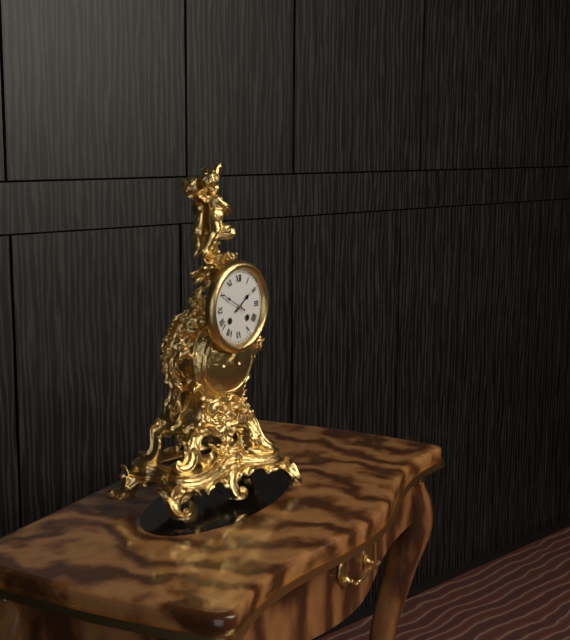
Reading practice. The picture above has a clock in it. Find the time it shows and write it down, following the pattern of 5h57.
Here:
1h50
